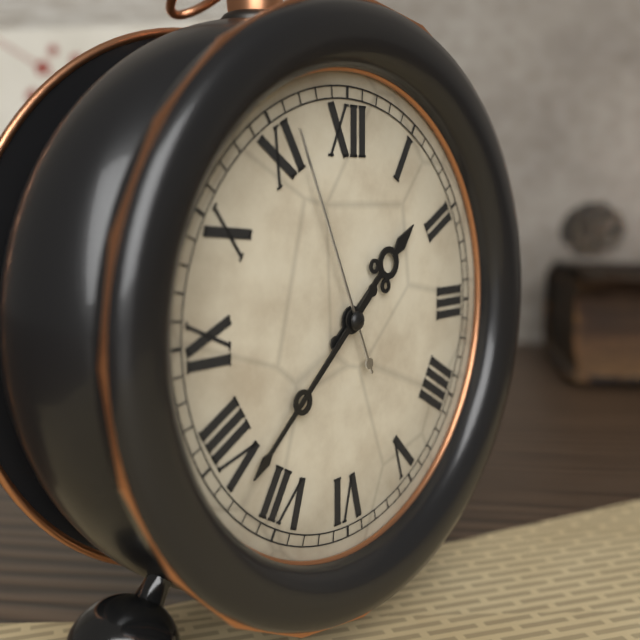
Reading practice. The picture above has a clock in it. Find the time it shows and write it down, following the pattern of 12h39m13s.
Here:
1h38m56s
